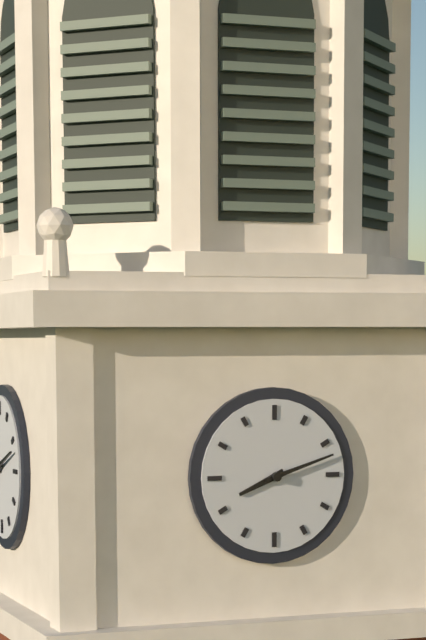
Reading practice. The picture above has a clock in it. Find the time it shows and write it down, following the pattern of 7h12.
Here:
8h12
